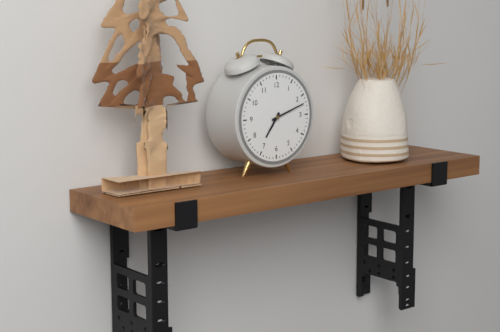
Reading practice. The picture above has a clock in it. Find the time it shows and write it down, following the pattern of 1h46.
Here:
7h12
